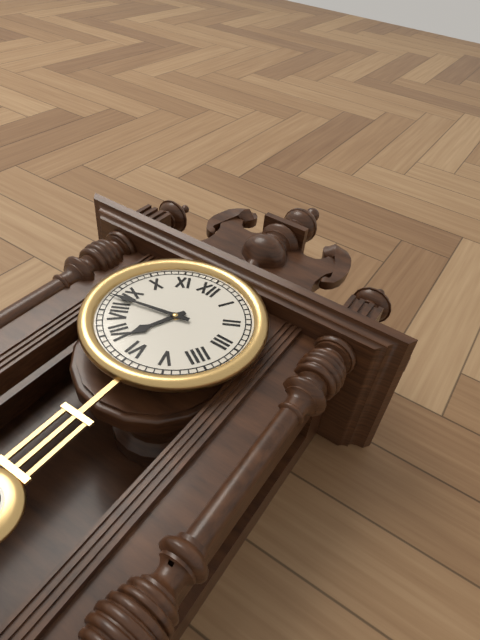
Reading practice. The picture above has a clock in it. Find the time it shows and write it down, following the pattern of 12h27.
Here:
6h43
